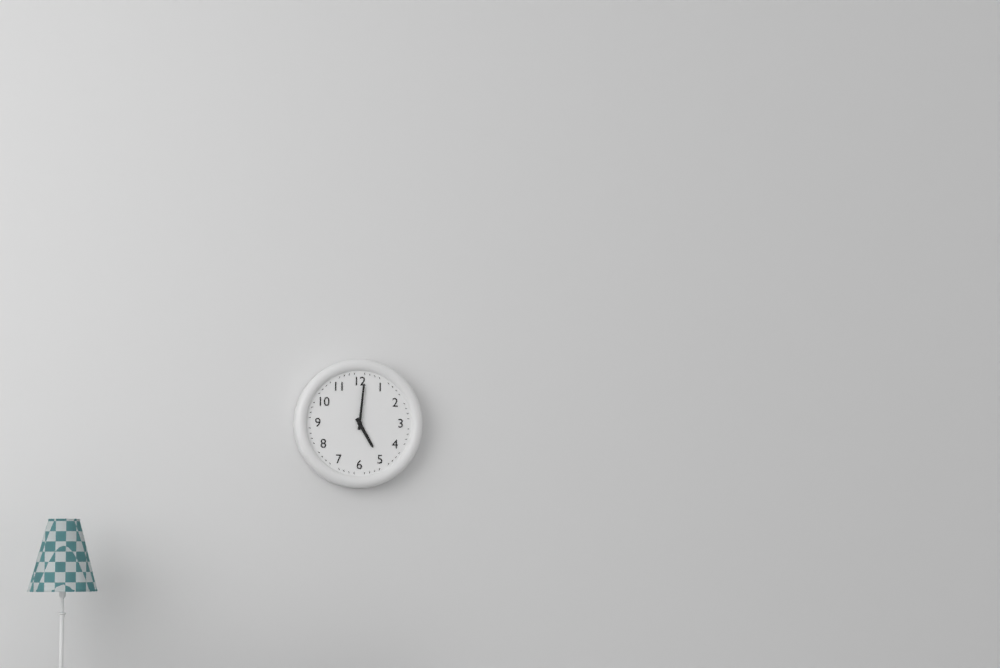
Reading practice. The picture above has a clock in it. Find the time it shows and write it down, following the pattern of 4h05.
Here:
5h01
